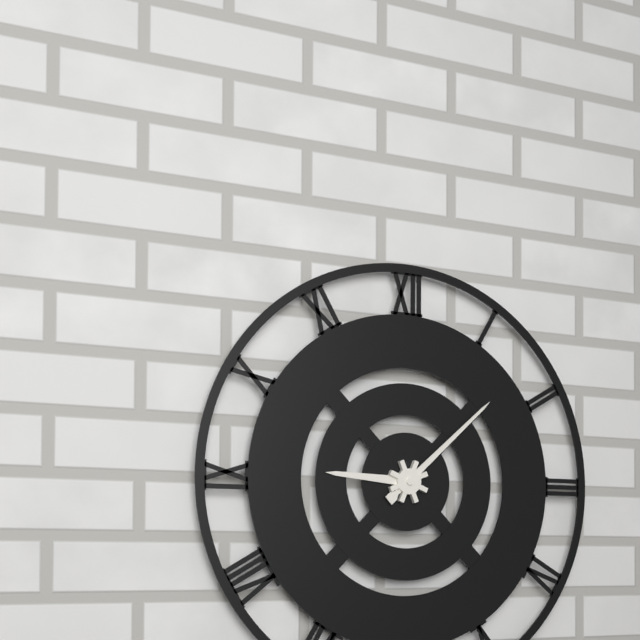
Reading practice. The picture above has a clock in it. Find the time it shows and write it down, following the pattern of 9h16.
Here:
9h08
